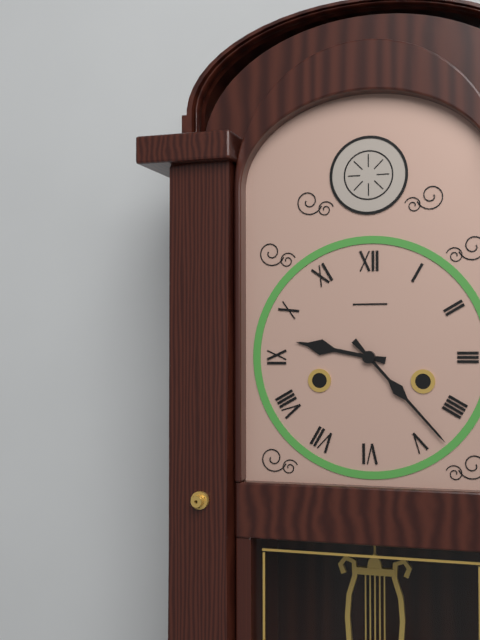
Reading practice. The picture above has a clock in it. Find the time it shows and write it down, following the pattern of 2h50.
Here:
9h23
